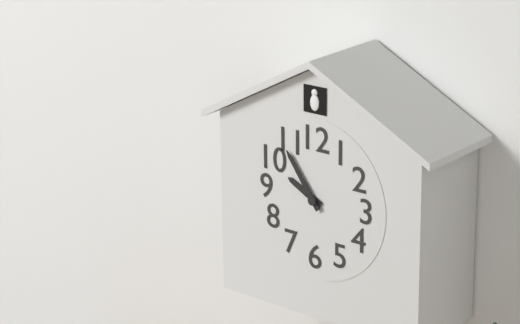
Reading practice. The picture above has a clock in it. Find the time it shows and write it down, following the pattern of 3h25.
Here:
9h54
